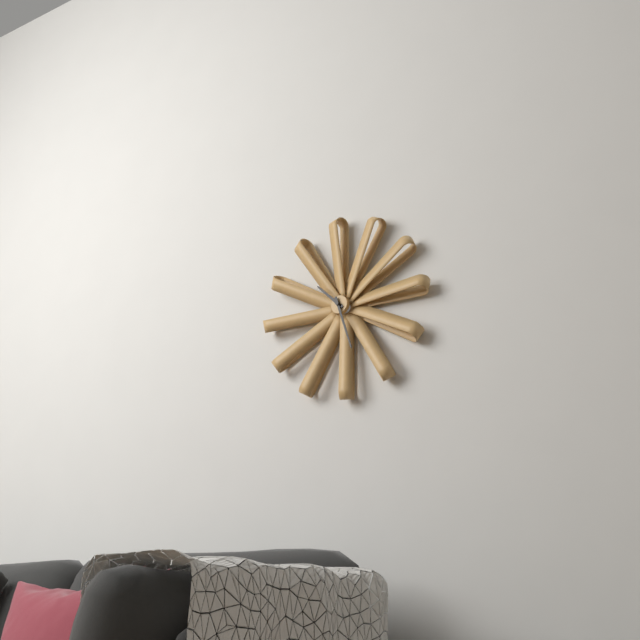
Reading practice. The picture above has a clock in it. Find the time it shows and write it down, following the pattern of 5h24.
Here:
10h27
